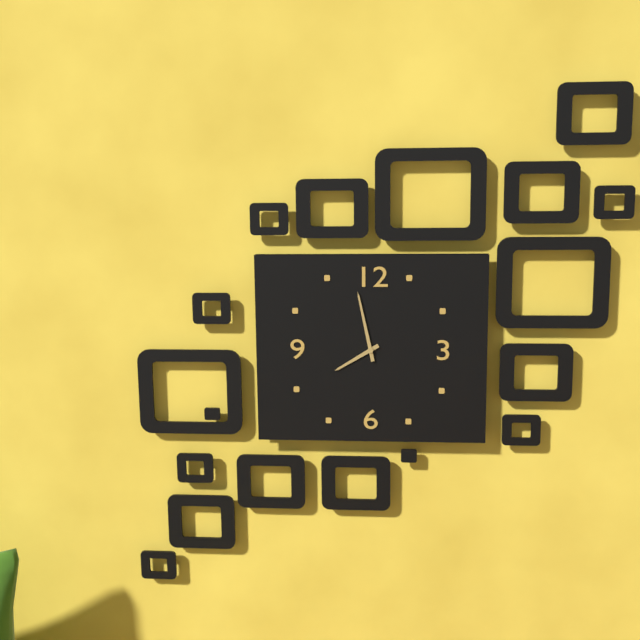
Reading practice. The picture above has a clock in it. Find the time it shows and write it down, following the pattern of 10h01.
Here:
7h58
